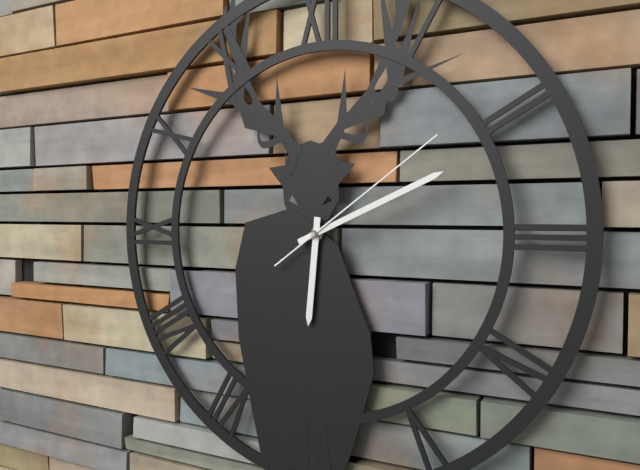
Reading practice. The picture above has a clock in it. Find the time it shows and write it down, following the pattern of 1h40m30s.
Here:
6h11m09s
